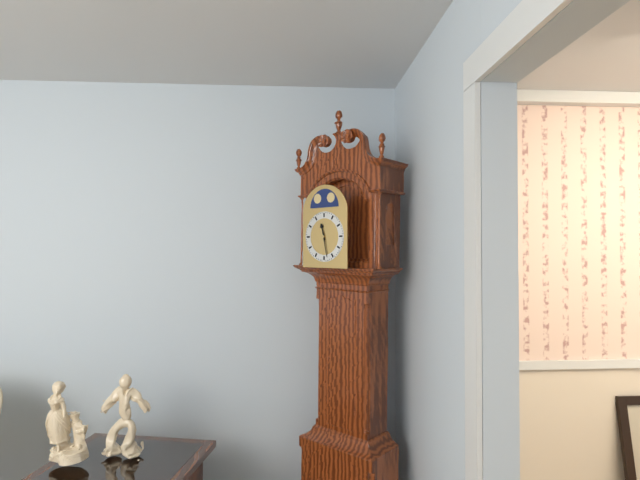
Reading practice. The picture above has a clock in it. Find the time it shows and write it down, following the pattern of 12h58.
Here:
11h28
